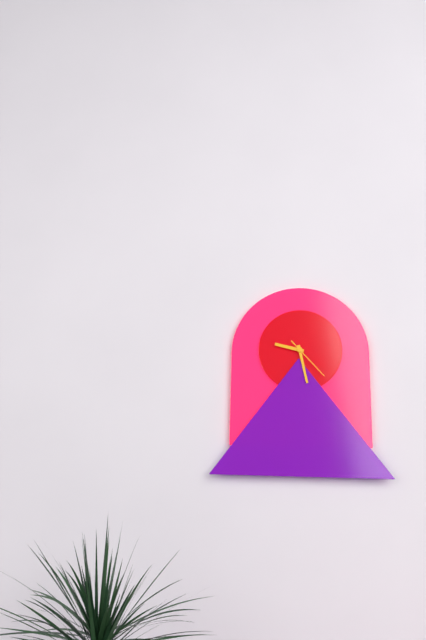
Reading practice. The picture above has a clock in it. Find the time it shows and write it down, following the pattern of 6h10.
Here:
9h28
